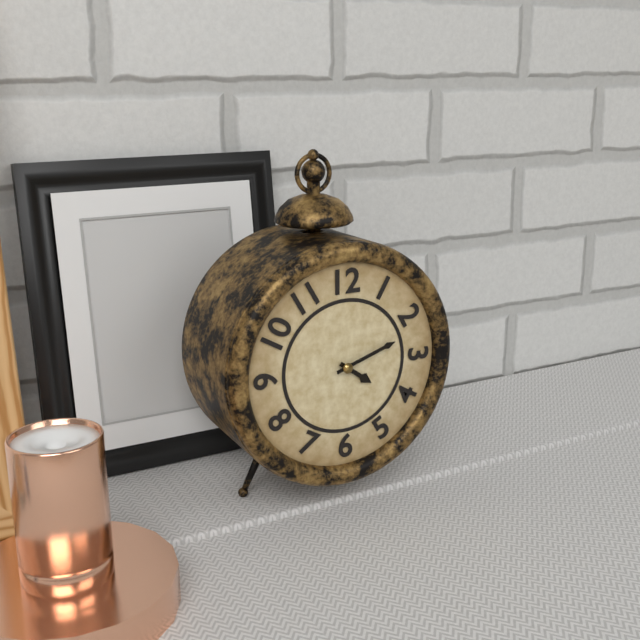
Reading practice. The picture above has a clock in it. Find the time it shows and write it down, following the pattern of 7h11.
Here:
4h12
